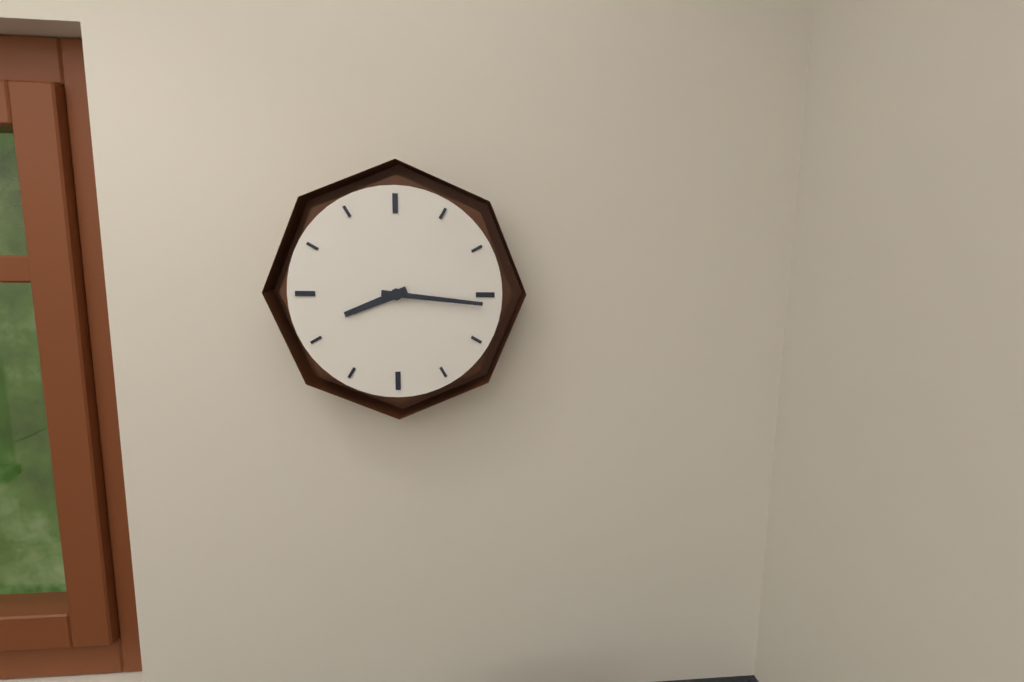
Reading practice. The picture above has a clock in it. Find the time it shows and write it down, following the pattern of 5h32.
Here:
8h16
